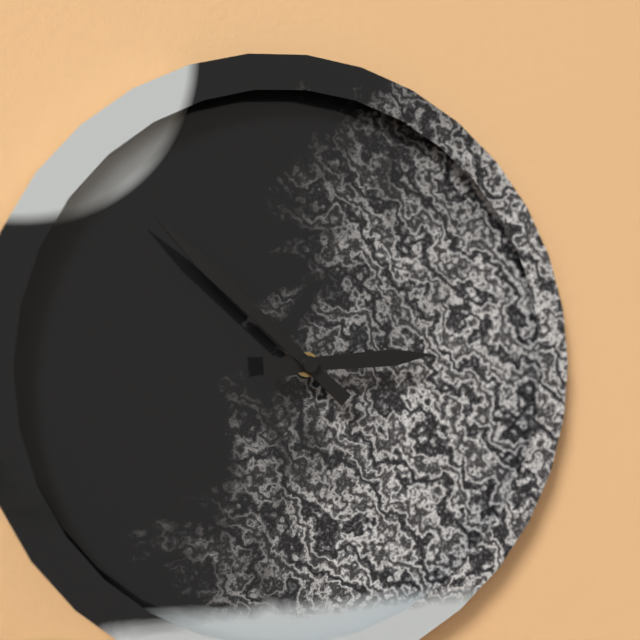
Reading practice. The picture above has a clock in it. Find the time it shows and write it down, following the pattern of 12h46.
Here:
2h52
